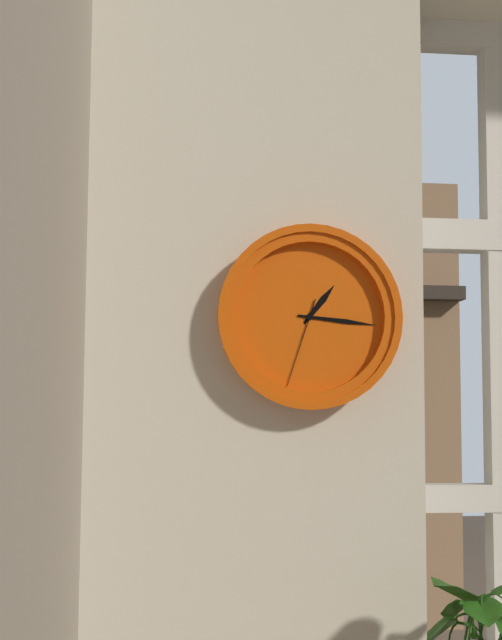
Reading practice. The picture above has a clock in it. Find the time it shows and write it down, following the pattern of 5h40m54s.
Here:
1h16m33s
